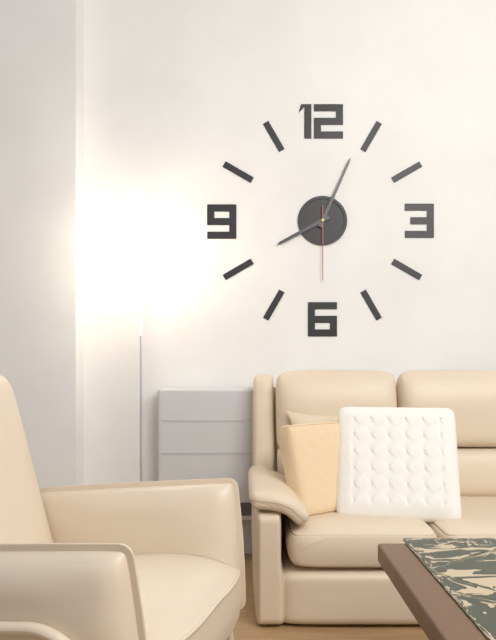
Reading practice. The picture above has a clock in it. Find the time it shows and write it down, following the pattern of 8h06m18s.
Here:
8h04m30s
